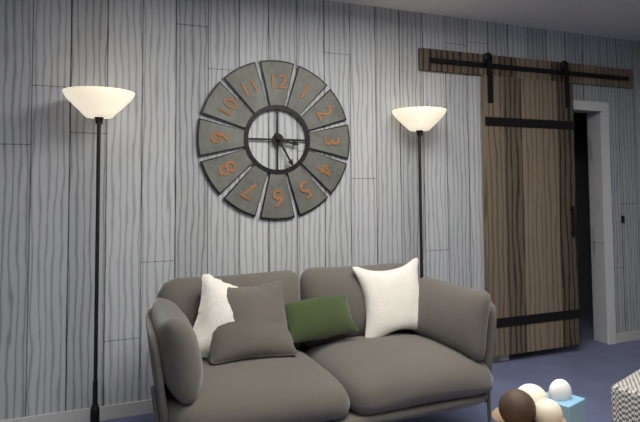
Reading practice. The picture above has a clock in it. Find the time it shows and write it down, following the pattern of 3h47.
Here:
3h25
